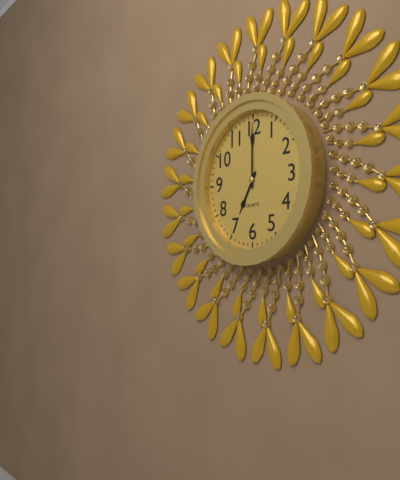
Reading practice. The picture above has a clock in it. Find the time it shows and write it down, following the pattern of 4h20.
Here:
7h00
